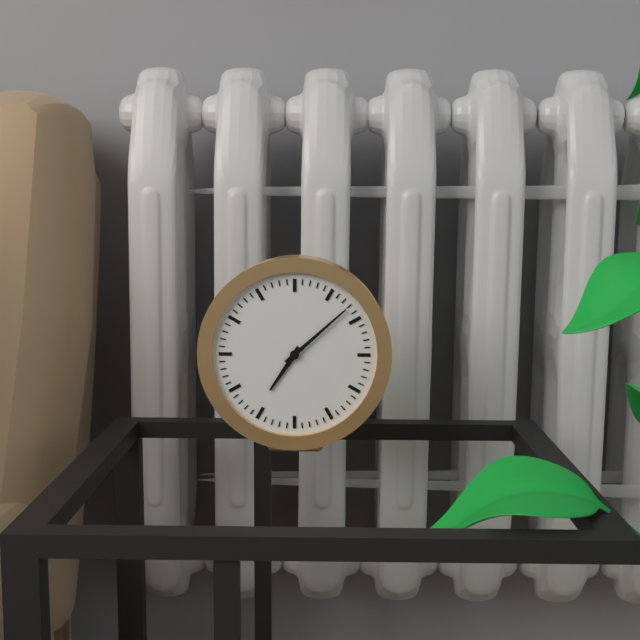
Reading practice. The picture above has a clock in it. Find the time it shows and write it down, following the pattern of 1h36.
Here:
7h08
